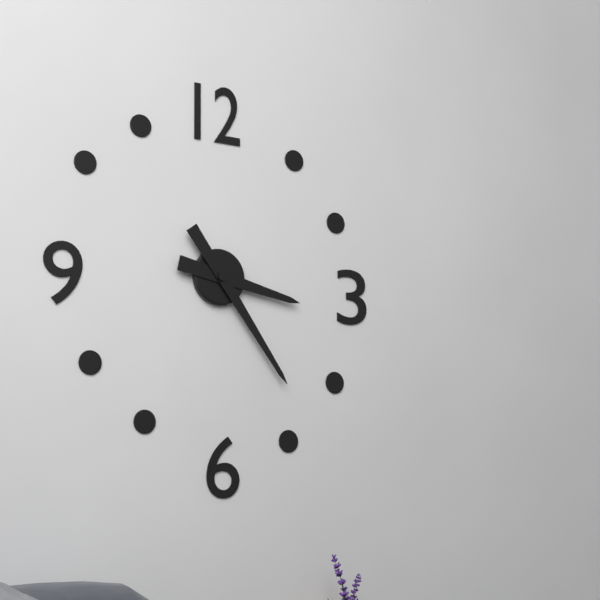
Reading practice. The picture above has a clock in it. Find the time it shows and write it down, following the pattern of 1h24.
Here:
3h24
